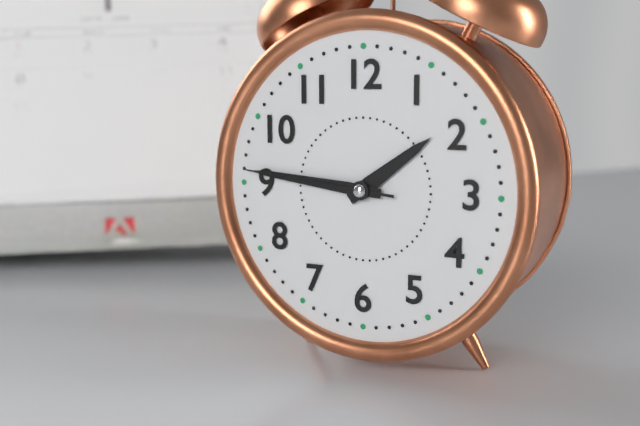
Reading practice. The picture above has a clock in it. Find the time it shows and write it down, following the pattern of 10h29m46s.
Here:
1h46m46s
